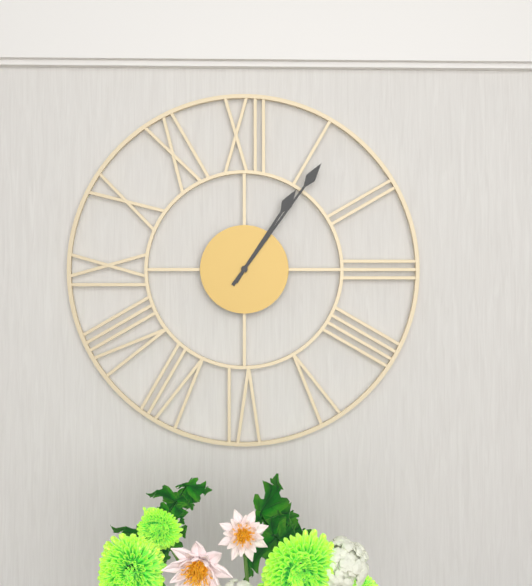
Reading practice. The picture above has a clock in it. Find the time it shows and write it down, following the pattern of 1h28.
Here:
1h06
